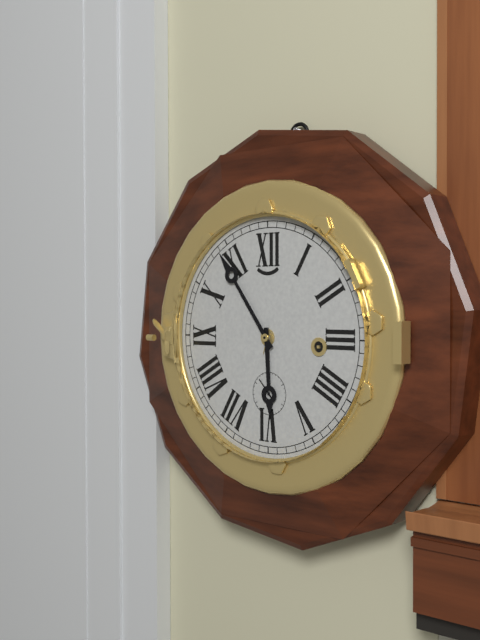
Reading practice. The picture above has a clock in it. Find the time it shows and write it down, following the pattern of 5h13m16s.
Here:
5h54m53s
